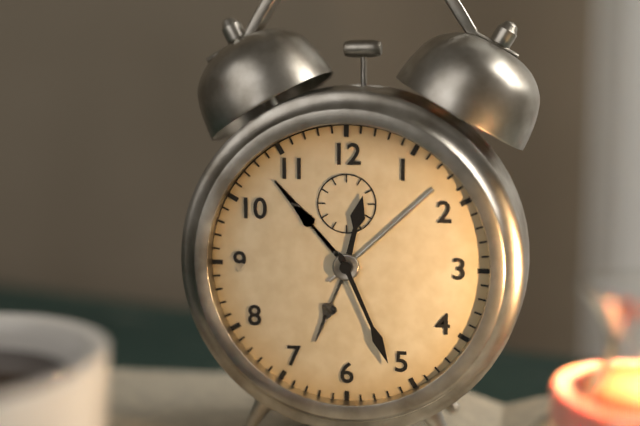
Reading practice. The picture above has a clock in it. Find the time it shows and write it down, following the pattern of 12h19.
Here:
12h26
